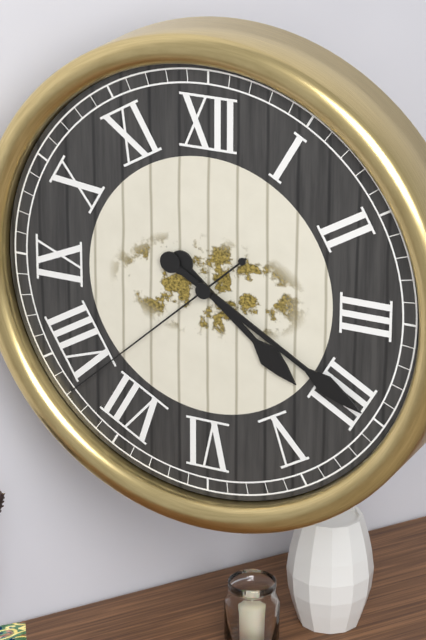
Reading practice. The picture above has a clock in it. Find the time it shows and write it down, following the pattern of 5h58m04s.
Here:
4h20m38s
